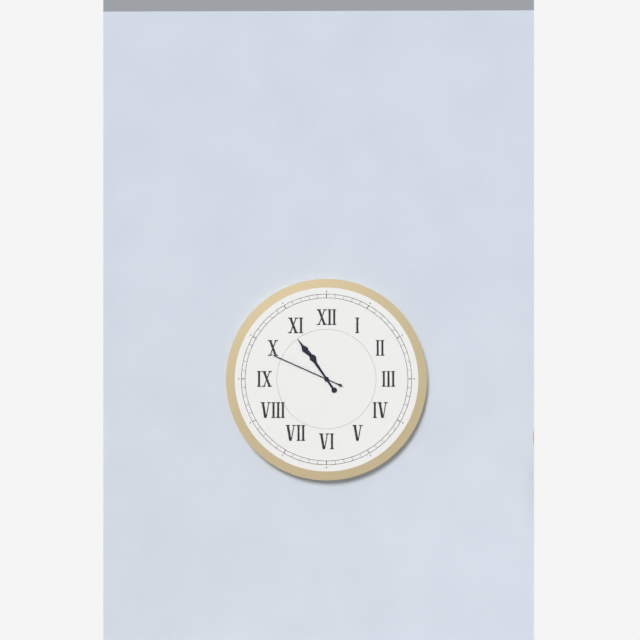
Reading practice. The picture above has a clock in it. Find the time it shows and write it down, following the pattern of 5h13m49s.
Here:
10h54m49s
